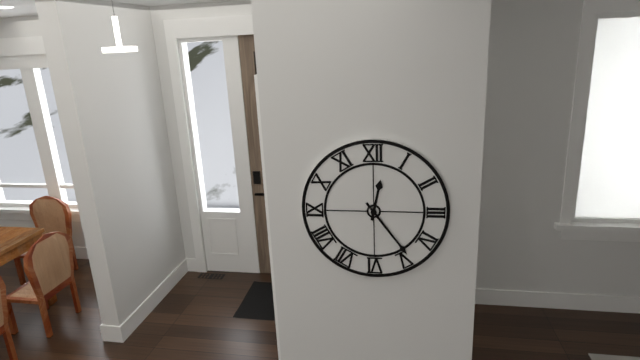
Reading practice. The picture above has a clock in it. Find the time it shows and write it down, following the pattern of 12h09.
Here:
12h24
